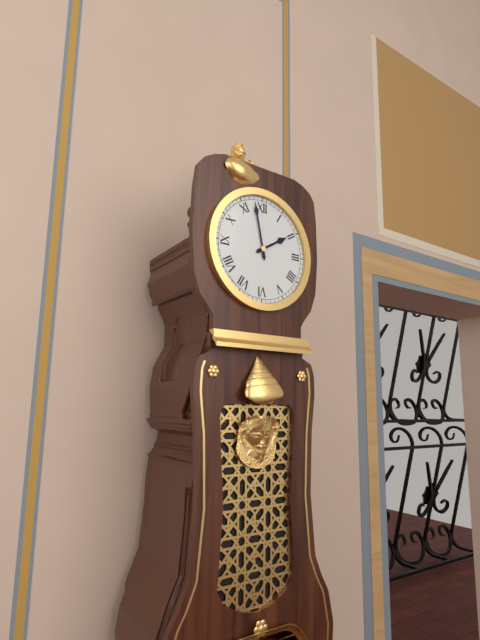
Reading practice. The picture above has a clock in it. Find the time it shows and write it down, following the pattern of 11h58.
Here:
1h58
